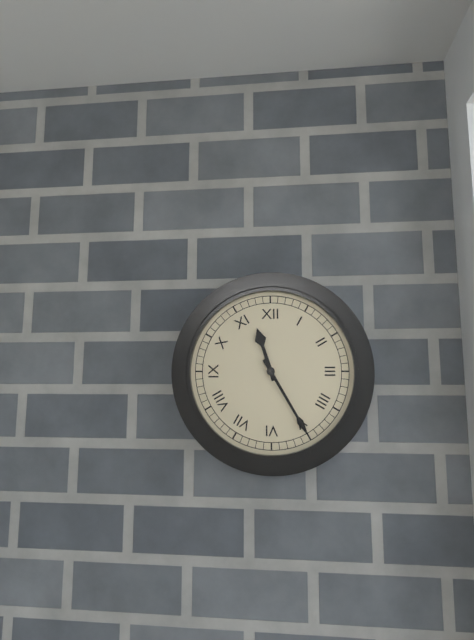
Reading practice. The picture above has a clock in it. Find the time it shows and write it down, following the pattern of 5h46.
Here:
11h25
